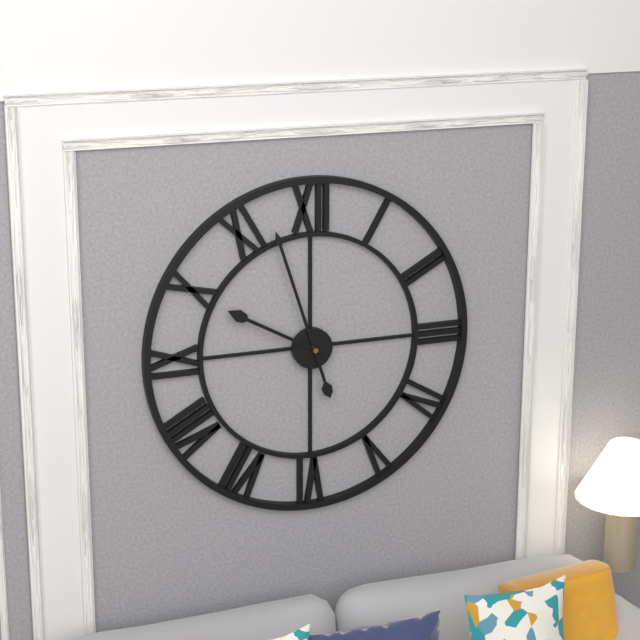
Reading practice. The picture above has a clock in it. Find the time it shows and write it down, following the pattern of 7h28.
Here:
9h57
